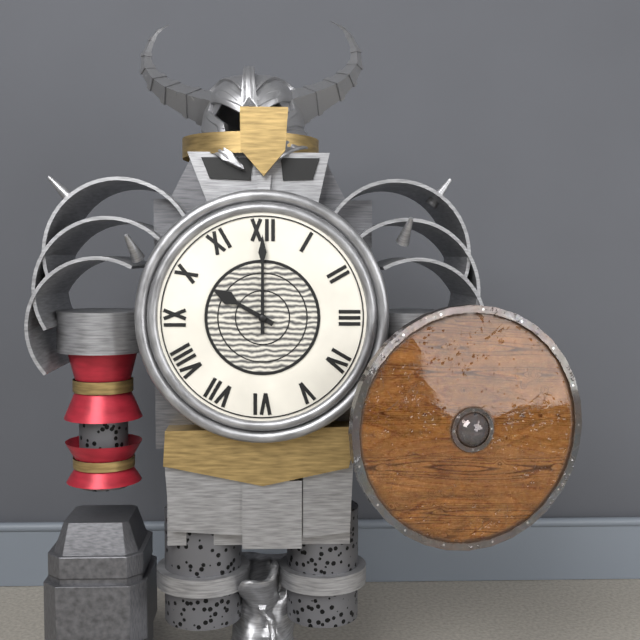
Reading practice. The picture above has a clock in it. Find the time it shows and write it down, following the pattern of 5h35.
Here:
10h00
